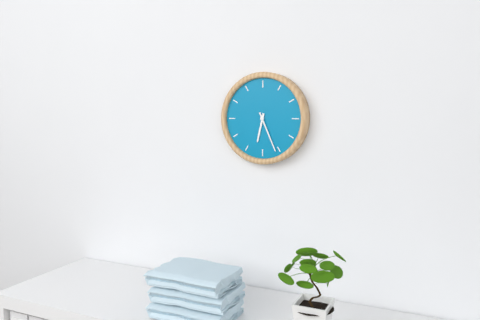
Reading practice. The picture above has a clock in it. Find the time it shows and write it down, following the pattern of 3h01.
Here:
6h26
